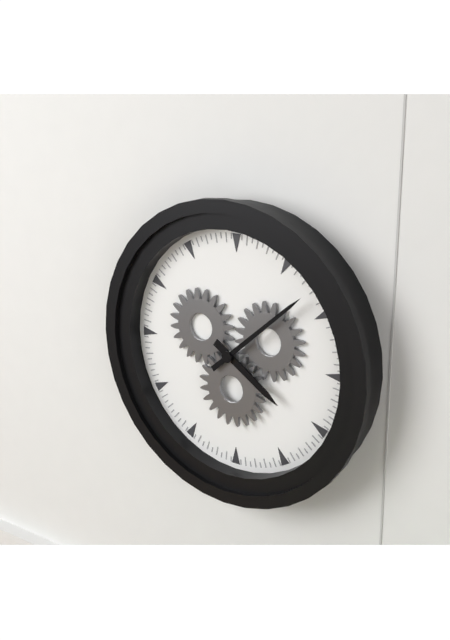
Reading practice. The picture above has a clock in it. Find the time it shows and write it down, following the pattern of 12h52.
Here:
4h08
